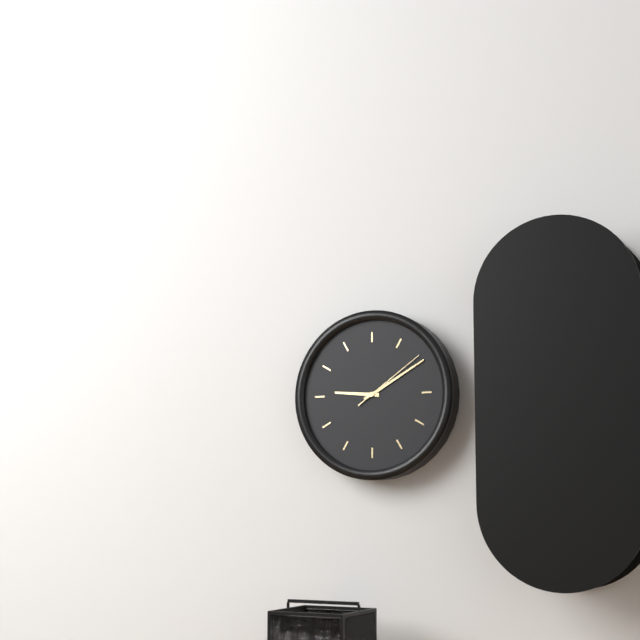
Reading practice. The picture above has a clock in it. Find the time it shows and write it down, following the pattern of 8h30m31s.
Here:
9h10m09s
